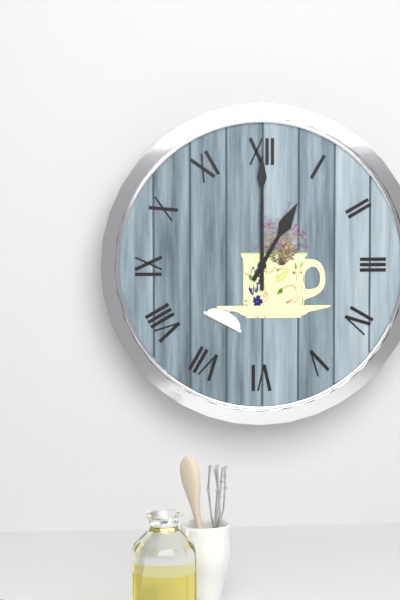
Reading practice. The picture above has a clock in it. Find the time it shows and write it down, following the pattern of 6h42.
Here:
1h00
